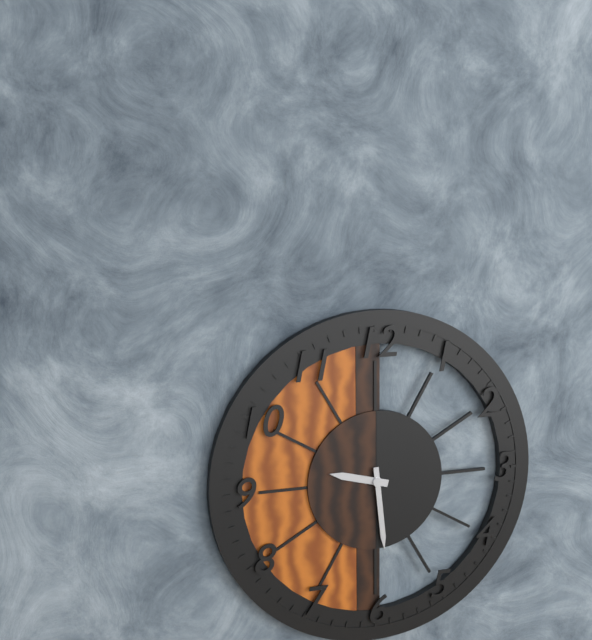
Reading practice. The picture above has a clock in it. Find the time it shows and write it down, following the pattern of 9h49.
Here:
9h29
